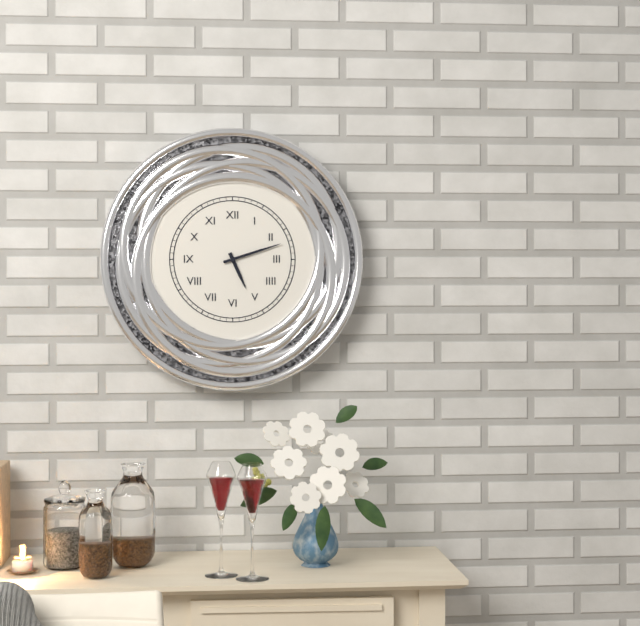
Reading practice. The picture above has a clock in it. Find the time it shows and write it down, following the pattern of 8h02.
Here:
5h12
